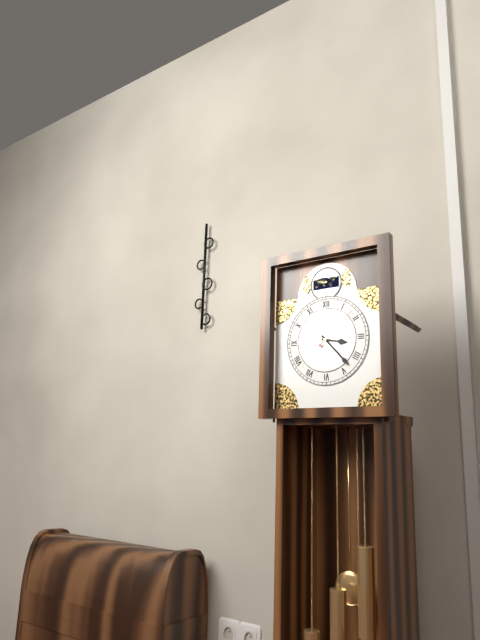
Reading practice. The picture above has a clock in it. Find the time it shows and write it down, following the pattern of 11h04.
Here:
3h23
